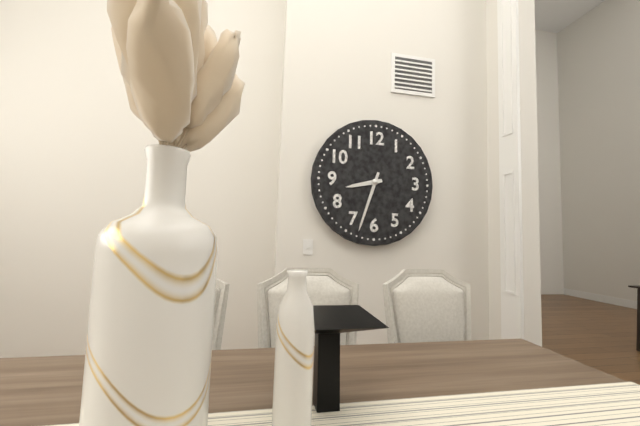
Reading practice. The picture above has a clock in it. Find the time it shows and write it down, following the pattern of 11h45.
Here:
8h33
